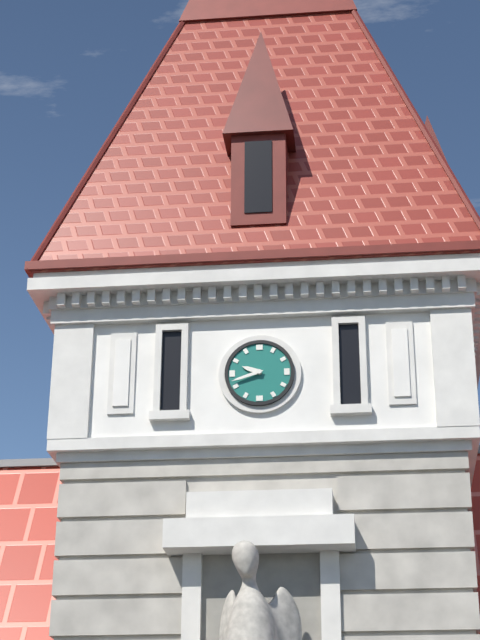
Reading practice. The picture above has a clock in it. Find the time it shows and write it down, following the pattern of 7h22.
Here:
9h42
